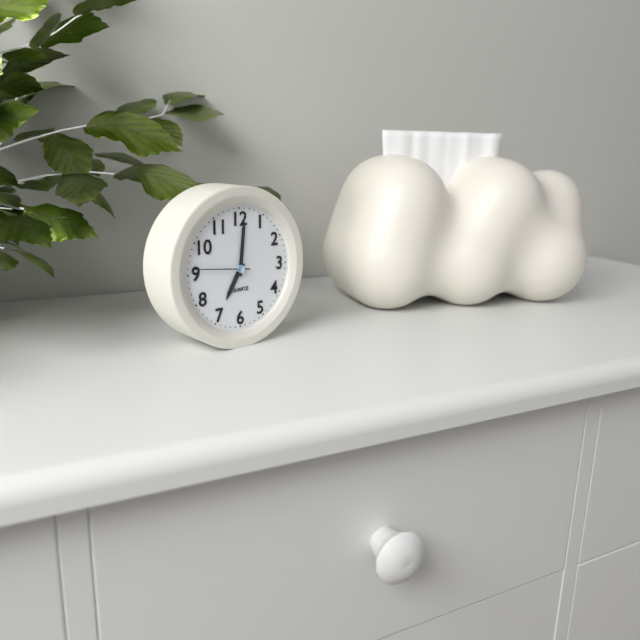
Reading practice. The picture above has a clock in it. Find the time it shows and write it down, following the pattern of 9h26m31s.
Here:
7h01m46s
